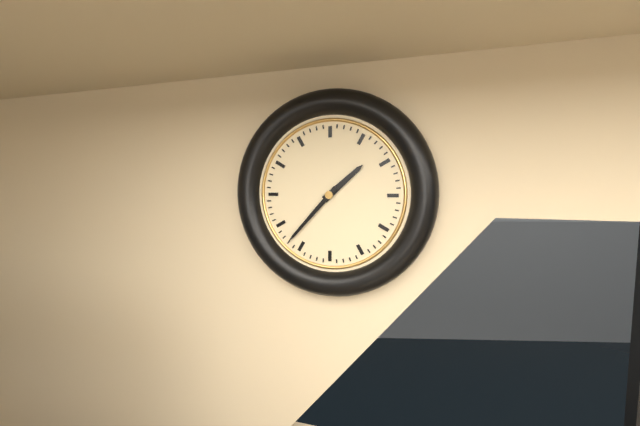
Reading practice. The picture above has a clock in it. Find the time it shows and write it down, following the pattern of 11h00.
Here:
1h37
